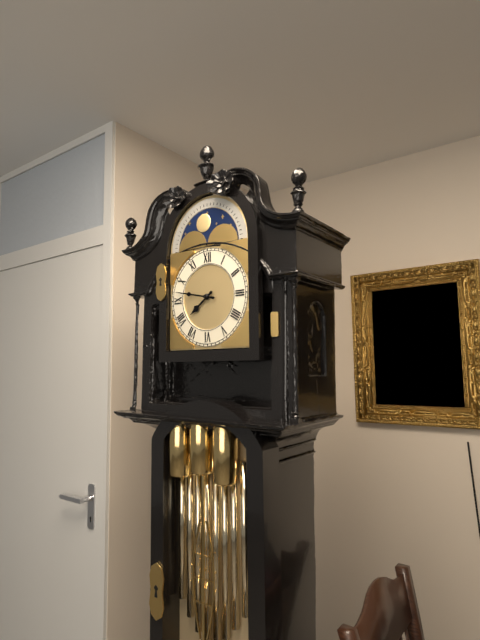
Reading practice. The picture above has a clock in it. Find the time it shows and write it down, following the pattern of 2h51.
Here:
7h47
